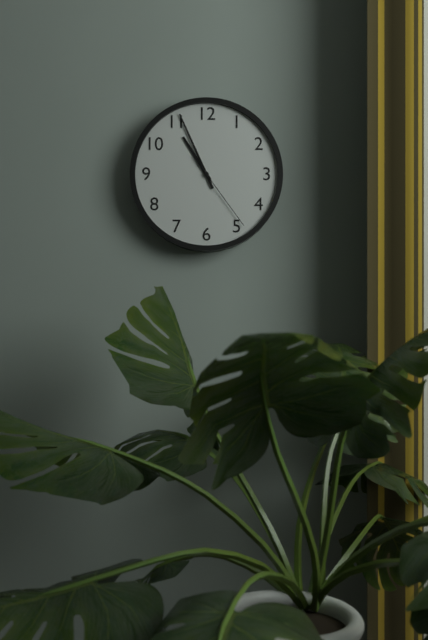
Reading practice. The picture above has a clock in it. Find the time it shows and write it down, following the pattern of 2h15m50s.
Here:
10h56m24s
